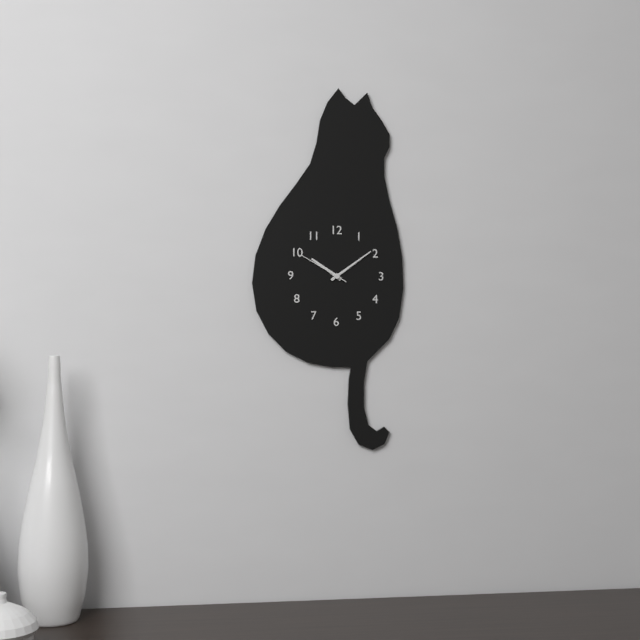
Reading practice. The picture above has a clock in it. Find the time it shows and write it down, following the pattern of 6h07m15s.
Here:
10h09m50s
